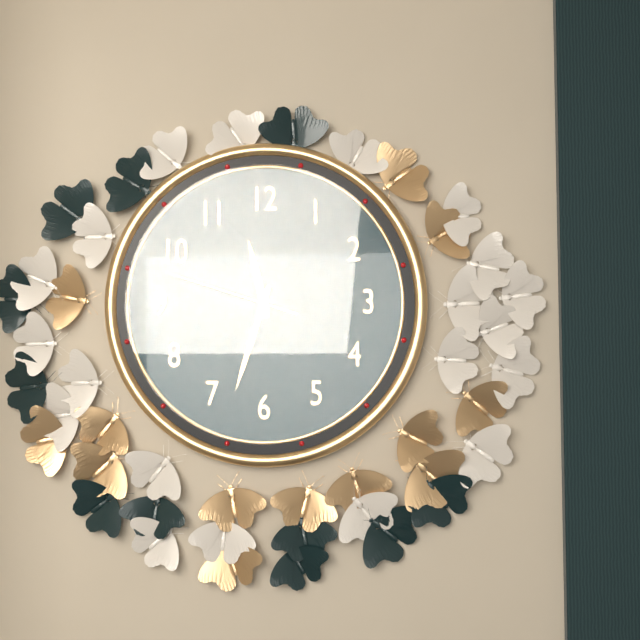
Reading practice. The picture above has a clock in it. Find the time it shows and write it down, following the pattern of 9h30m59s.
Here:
11h33m48s
